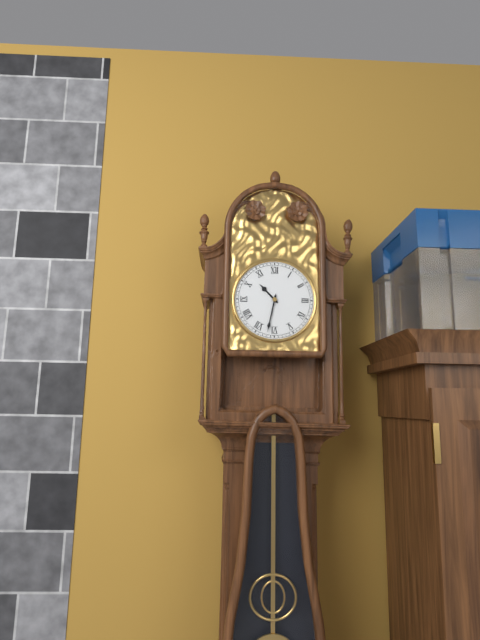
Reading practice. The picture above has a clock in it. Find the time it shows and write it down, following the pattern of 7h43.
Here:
10h32
